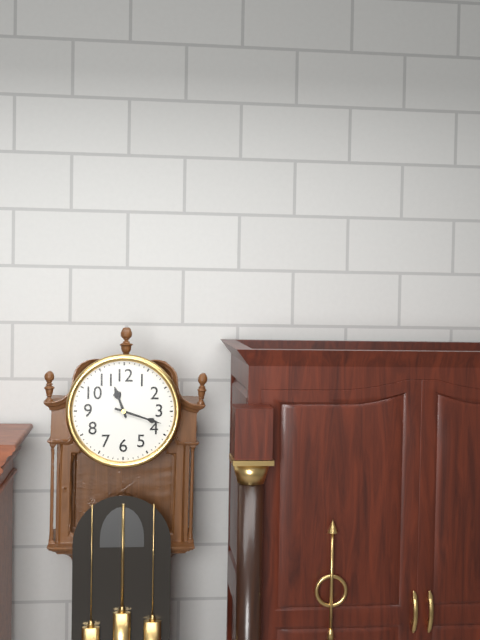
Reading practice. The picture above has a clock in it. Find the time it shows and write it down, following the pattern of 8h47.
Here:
11h18
